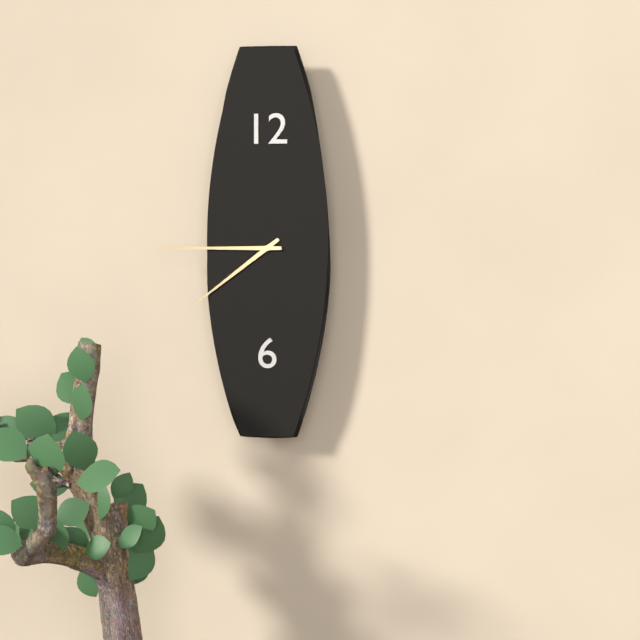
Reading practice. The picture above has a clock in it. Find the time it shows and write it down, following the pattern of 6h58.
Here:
7h45
